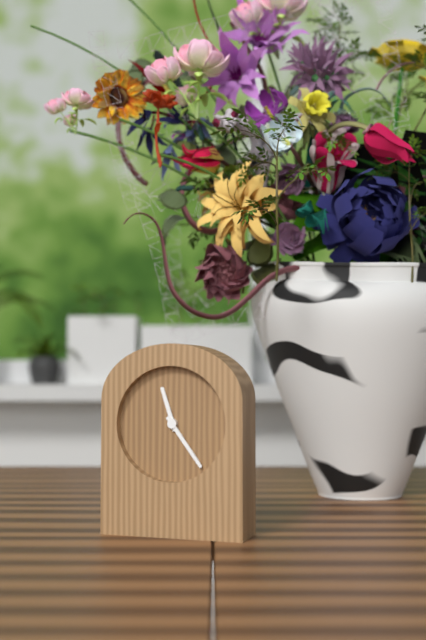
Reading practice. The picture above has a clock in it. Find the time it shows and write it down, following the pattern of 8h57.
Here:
11h24
